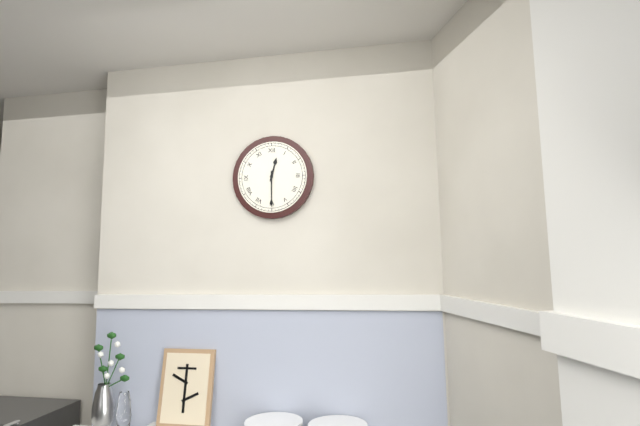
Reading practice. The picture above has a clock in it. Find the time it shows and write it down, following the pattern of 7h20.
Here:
12h30
